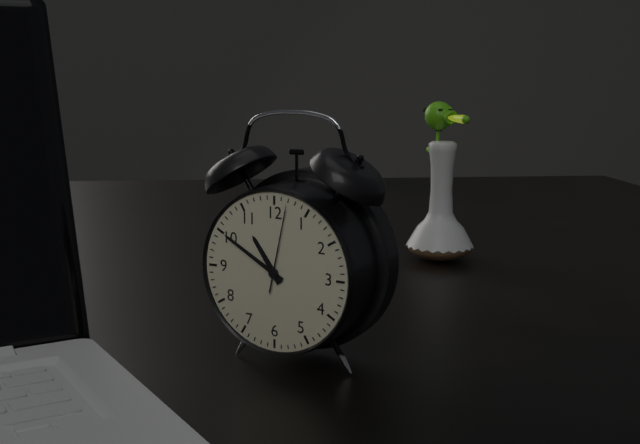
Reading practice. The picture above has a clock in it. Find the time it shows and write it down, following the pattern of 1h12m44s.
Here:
10h50m02s
